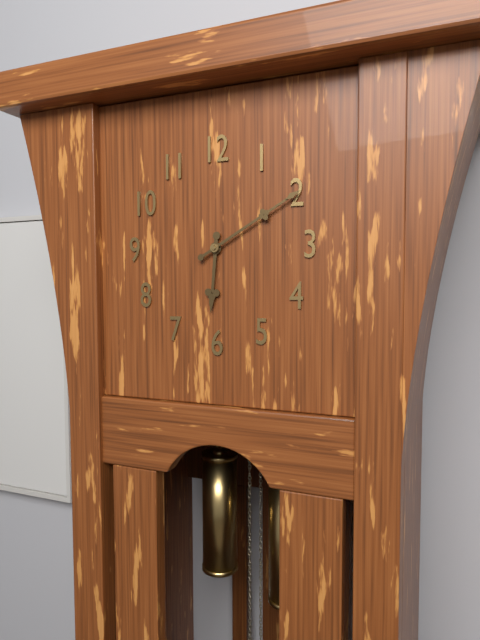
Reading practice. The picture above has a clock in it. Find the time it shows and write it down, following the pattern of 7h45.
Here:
6h10
